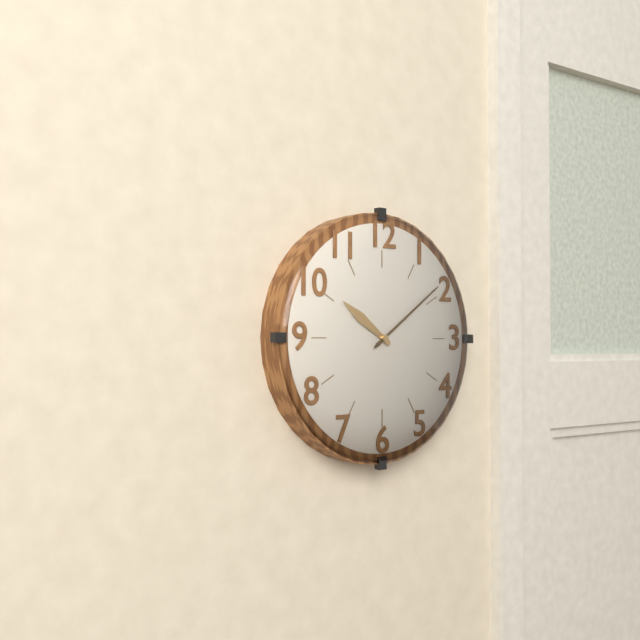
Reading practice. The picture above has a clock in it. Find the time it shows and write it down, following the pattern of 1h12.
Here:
10h09
